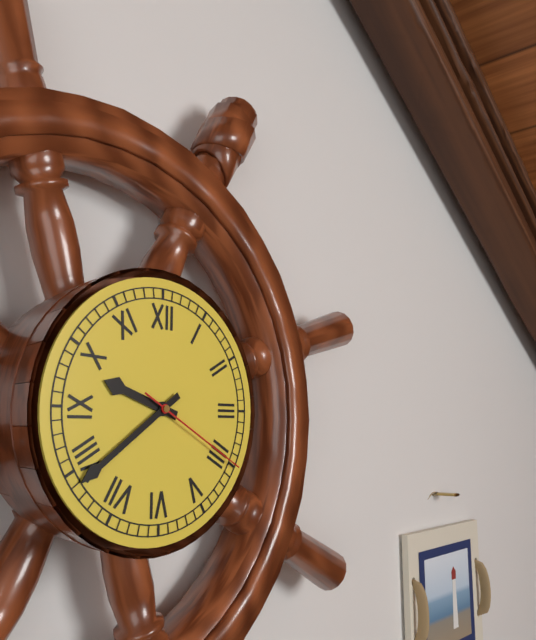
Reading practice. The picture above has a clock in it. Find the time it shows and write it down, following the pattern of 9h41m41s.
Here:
9h39m20s
